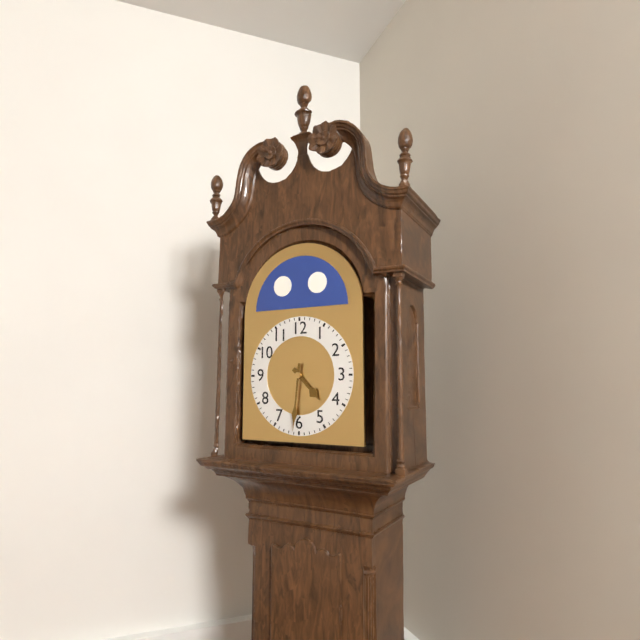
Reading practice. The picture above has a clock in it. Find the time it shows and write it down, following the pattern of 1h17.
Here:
4h31
